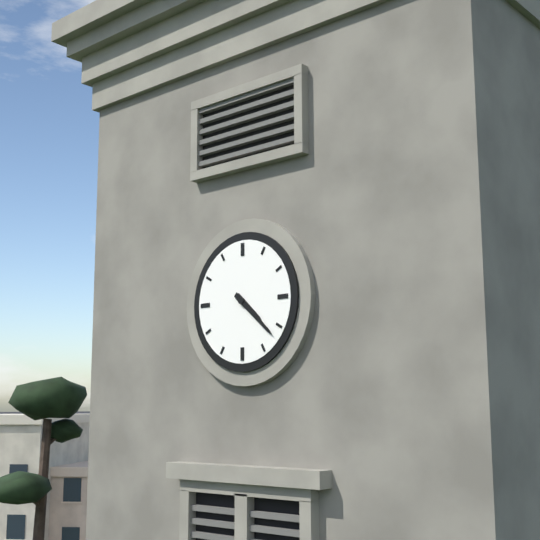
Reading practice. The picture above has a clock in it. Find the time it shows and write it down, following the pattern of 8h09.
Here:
4h22
